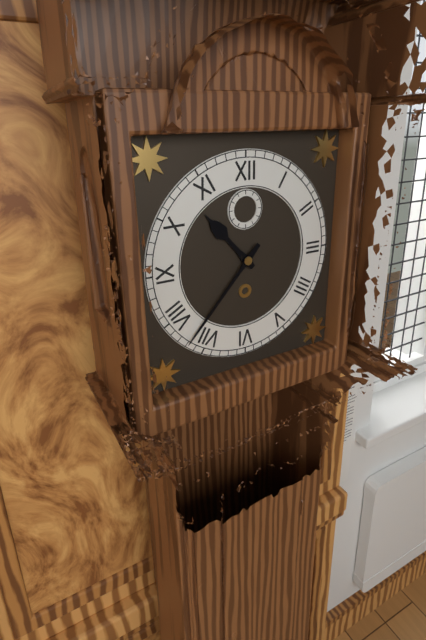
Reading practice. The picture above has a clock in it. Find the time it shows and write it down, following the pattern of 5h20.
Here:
10h37
